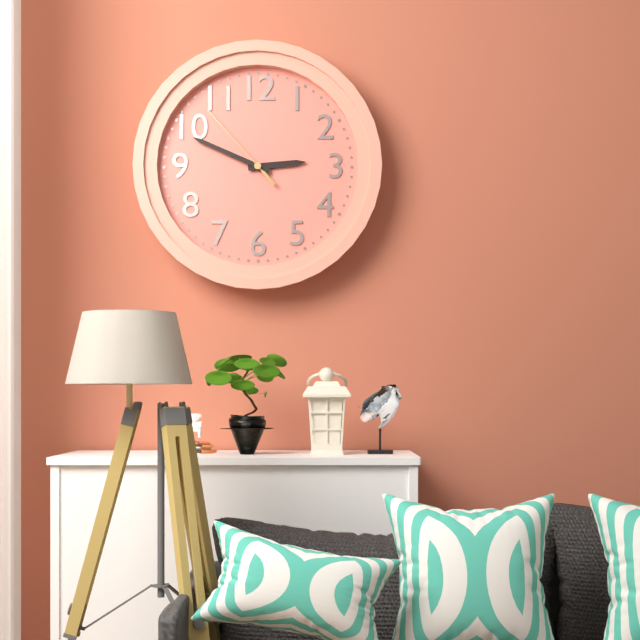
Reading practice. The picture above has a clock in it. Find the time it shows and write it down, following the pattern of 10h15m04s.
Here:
2h49m53s
